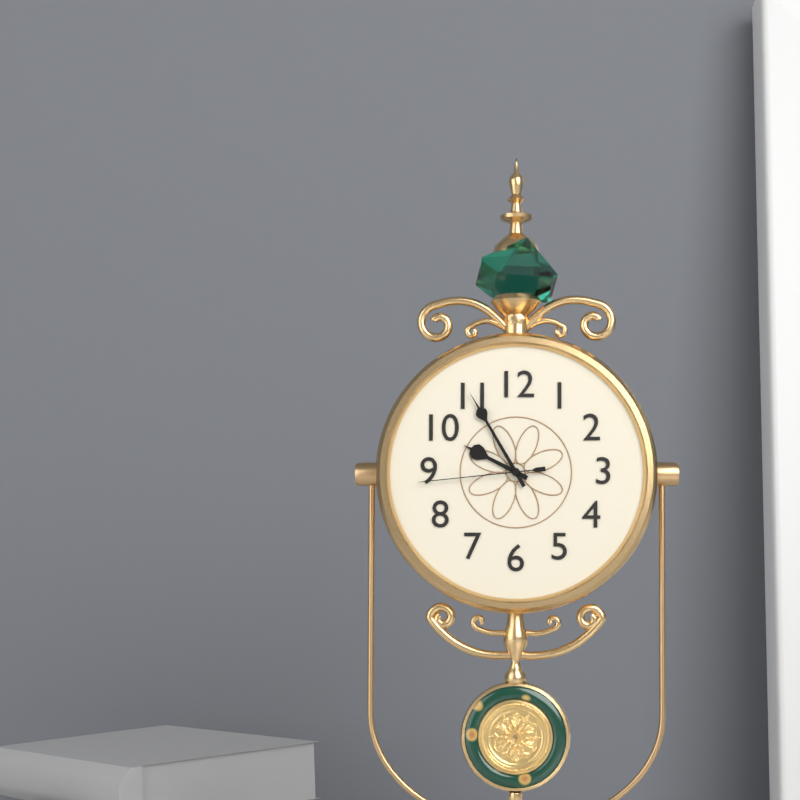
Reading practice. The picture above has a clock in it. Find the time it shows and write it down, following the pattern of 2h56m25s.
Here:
9h55m44s
